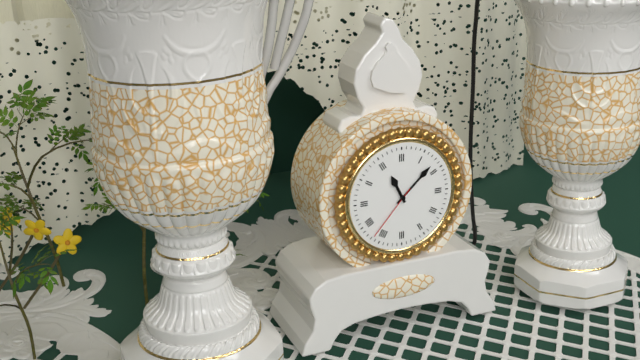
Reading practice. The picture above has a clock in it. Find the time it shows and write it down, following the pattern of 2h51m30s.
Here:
11h08m37s
